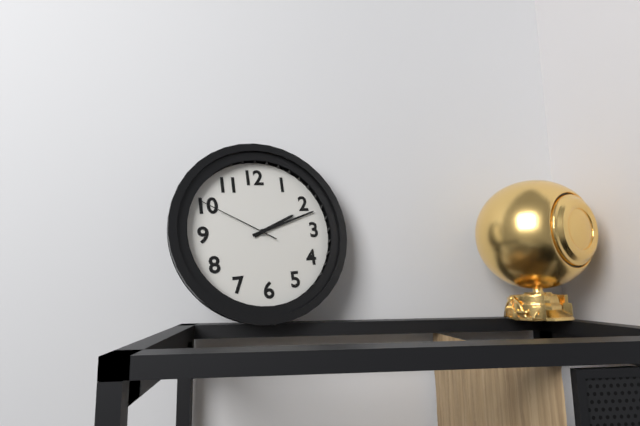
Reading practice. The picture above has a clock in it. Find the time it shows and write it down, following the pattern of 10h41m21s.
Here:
2h12m50s
